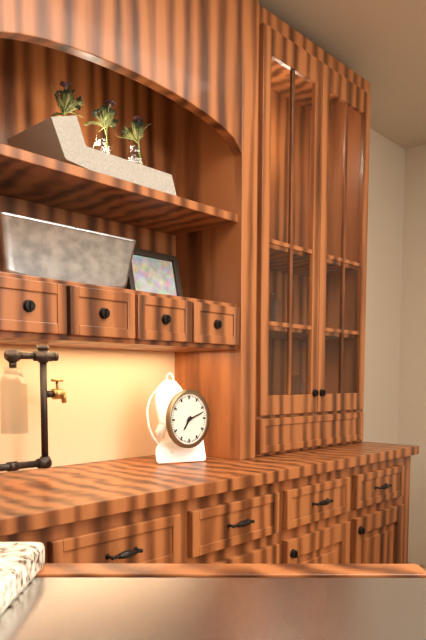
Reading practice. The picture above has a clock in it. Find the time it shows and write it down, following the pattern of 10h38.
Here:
7h12
